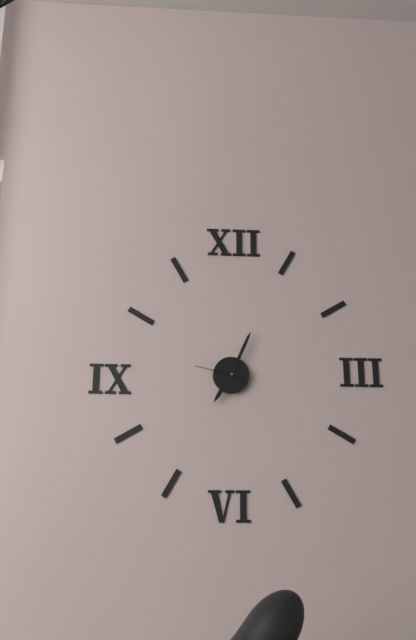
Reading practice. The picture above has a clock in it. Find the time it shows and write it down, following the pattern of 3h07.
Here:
7h04
